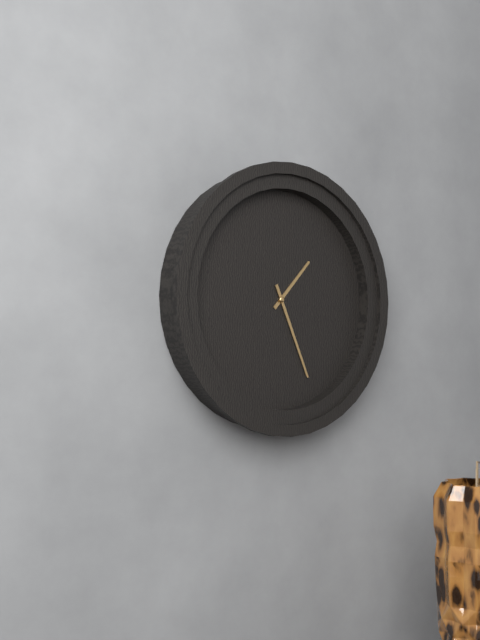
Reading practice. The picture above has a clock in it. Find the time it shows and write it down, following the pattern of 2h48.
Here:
1h26
